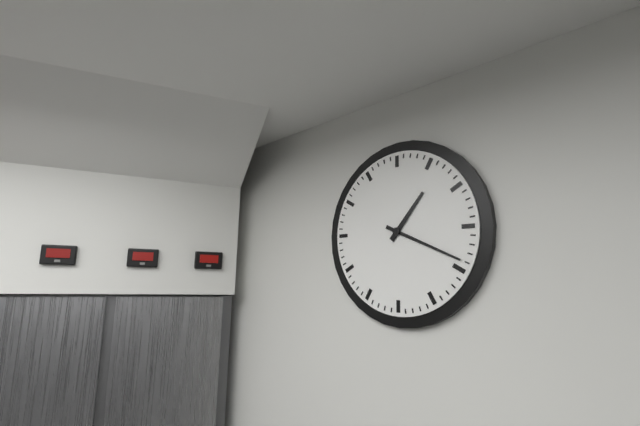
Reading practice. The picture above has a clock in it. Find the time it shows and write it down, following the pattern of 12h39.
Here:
1h19
